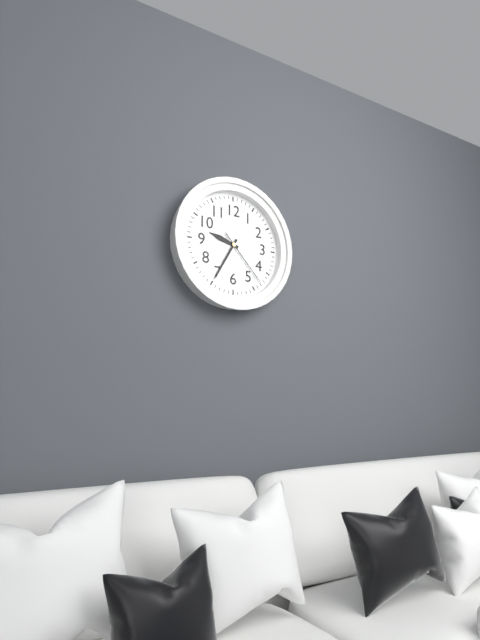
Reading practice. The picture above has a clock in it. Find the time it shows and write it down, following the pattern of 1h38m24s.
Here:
9h35m23s
